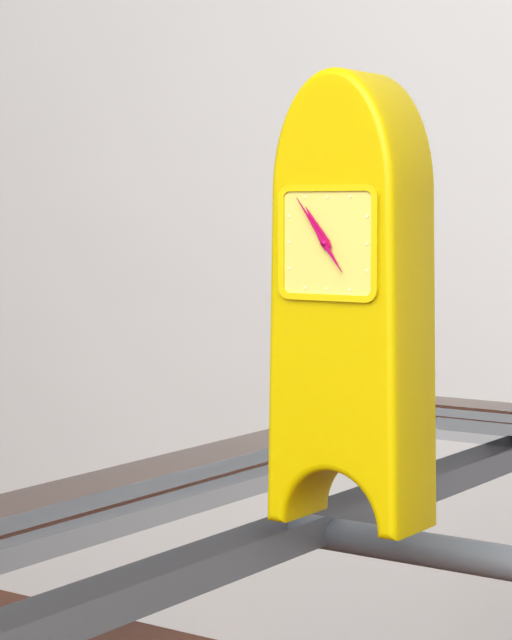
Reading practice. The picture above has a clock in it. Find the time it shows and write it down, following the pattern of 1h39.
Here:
10h54
